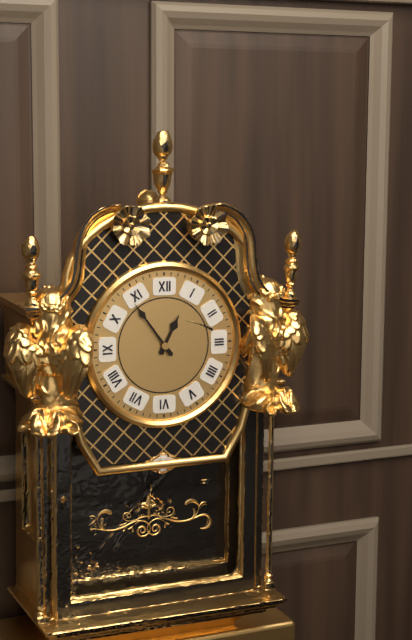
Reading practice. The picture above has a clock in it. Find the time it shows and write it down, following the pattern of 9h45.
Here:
12h54
